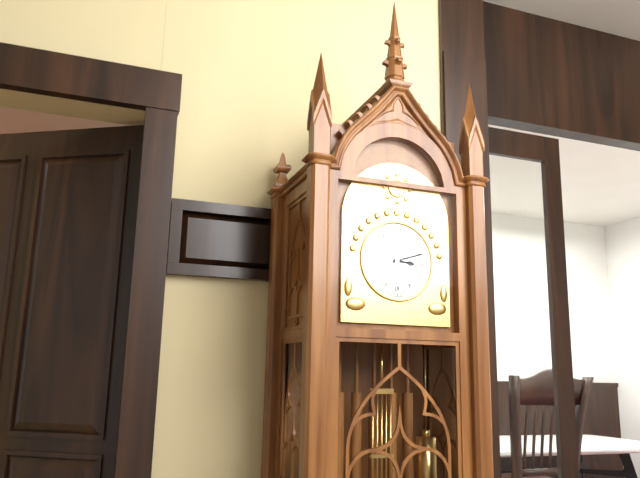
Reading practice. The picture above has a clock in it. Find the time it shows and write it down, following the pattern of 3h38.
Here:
3h12
